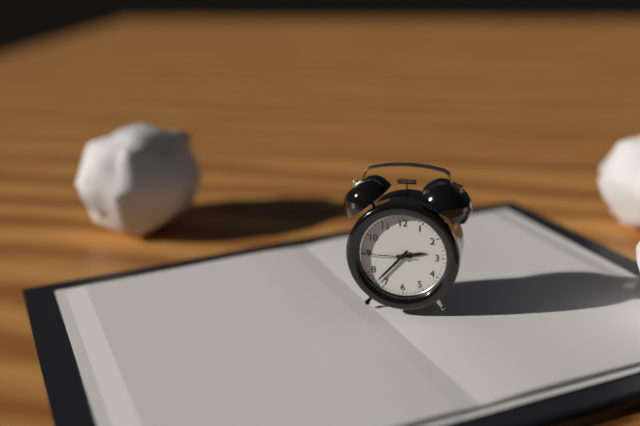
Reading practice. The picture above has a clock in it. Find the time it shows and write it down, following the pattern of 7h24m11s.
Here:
2h37m45s
